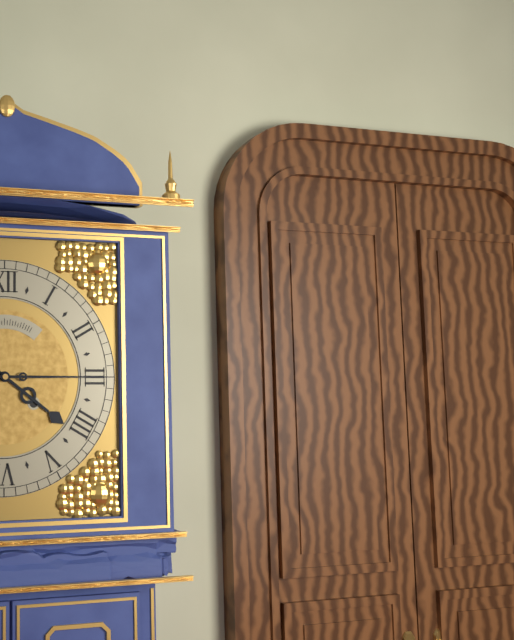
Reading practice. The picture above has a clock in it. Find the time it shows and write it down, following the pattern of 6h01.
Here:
4h15
